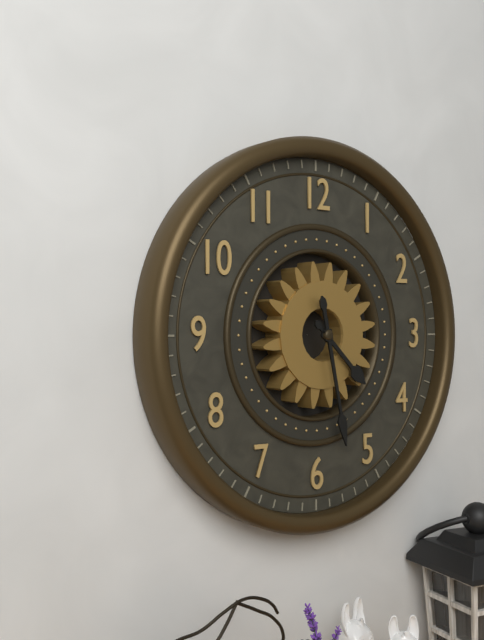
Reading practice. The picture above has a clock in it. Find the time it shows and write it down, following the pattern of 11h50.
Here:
4h28
